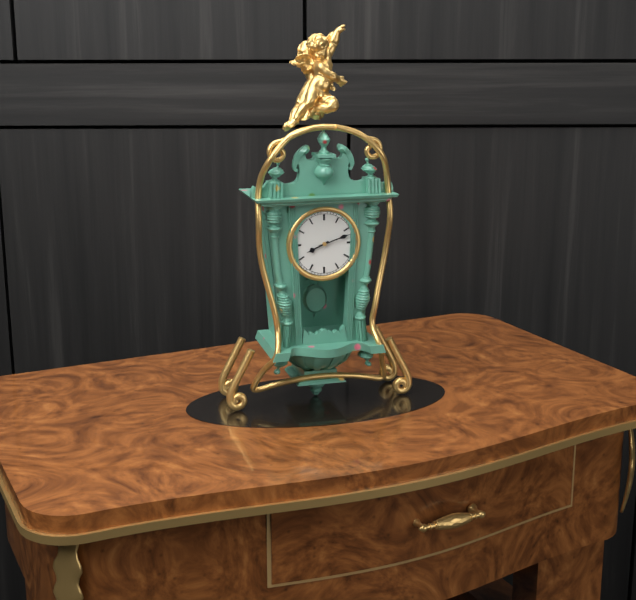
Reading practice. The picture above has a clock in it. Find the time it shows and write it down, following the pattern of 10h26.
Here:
8h12
